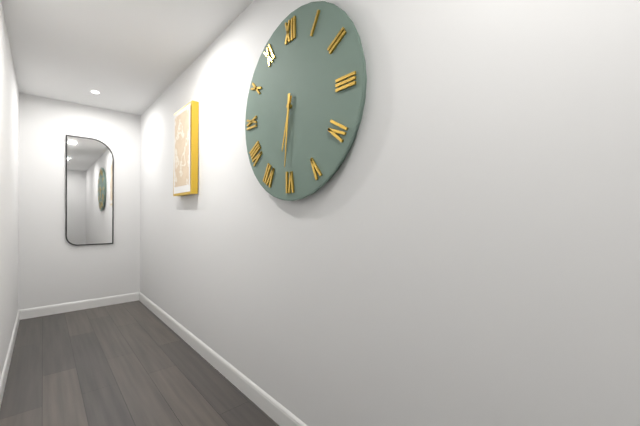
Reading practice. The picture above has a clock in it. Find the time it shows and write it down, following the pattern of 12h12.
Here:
6h31
